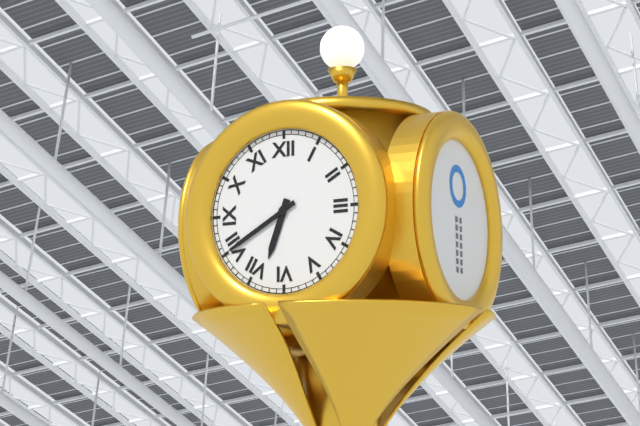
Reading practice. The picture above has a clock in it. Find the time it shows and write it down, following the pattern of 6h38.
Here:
6h40
